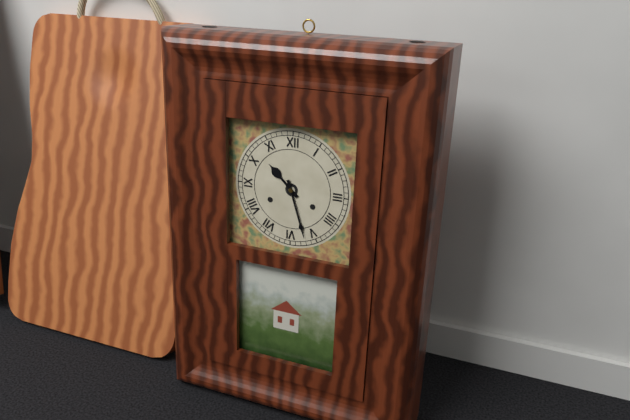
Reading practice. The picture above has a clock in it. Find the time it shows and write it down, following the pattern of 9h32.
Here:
10h27
